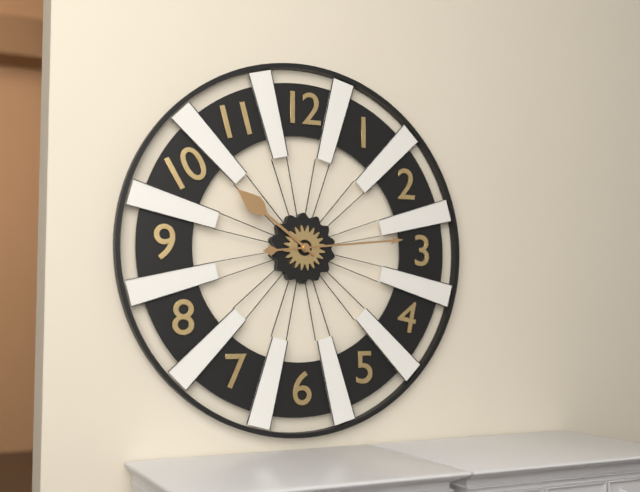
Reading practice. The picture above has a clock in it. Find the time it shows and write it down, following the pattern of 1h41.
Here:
10h14
